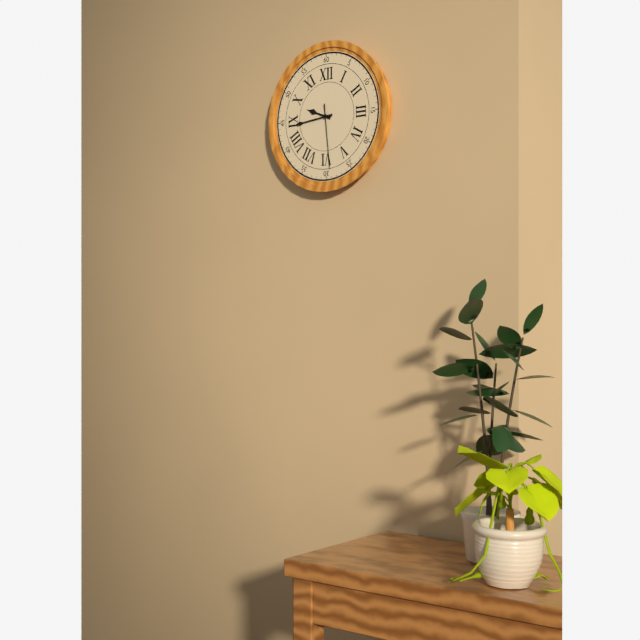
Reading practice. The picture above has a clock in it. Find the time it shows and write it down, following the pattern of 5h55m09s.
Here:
9h44m29s
